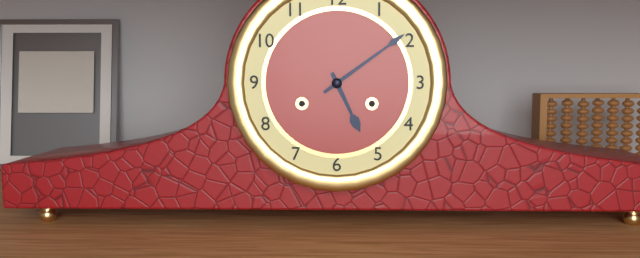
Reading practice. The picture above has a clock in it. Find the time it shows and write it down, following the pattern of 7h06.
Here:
5h09
